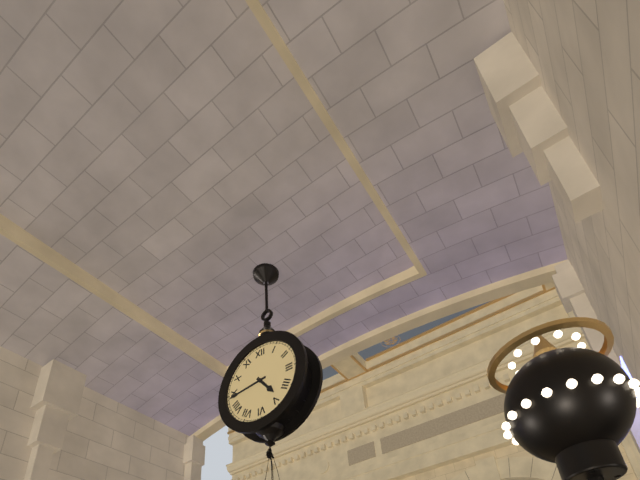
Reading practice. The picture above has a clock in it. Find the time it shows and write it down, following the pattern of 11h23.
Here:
4h44
